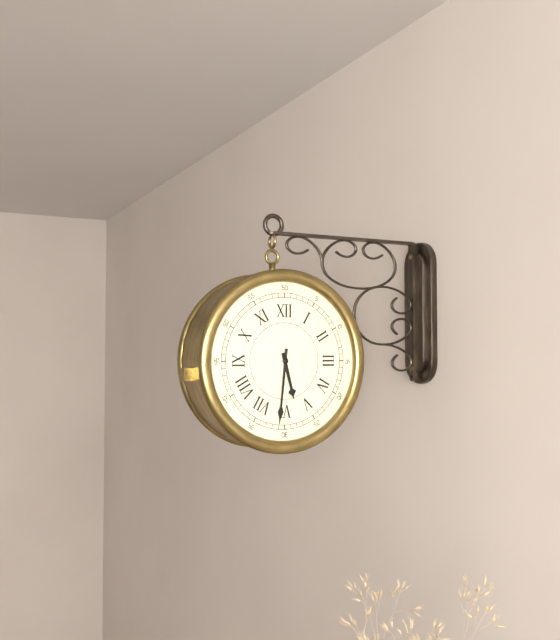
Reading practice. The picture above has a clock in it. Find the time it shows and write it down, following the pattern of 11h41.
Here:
5h31
